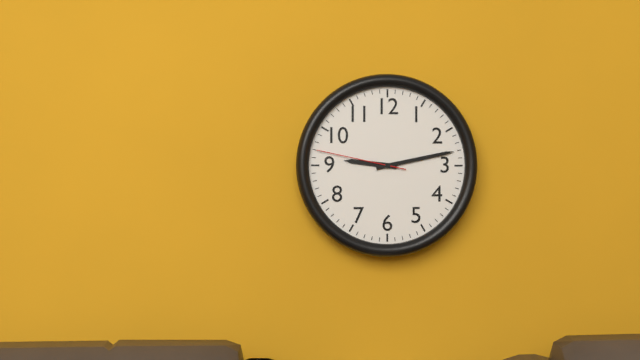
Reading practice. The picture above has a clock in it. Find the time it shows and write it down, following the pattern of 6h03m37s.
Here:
9h13m47s
